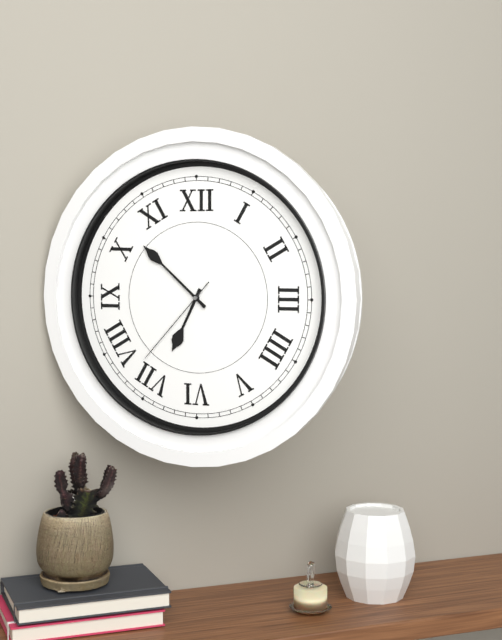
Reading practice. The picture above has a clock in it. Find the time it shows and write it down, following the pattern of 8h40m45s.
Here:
6h52m37s
